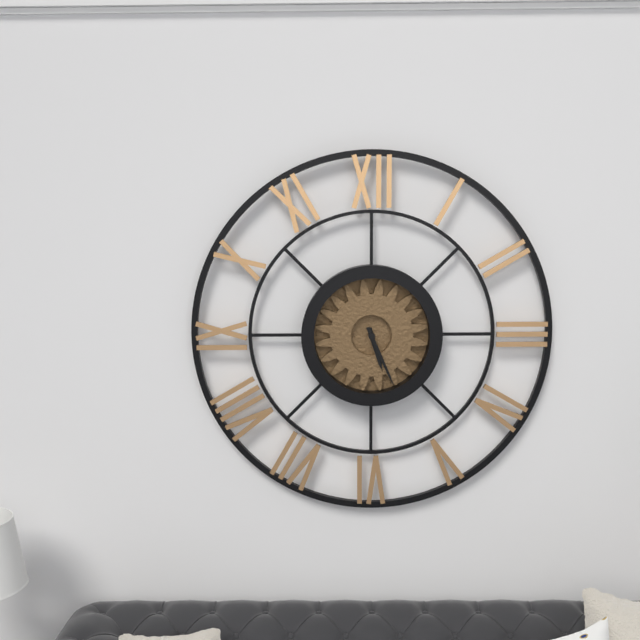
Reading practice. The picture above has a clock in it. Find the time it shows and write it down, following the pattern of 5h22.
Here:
5h26
